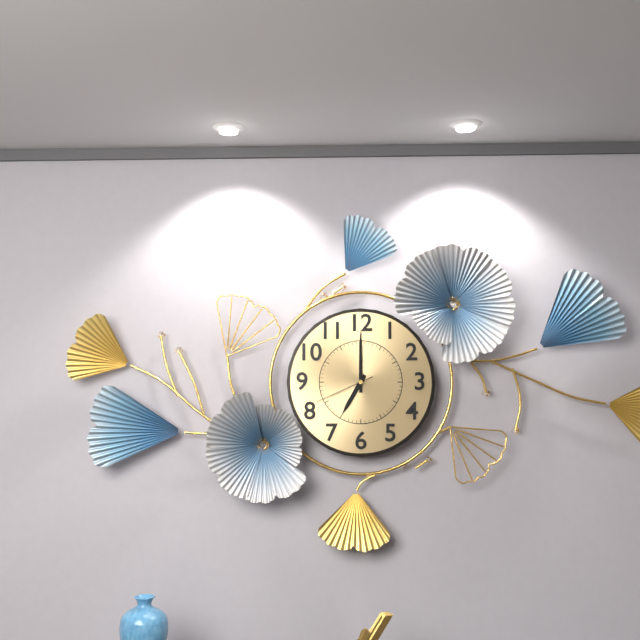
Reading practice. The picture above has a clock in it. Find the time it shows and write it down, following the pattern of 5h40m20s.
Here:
7h00m41s
